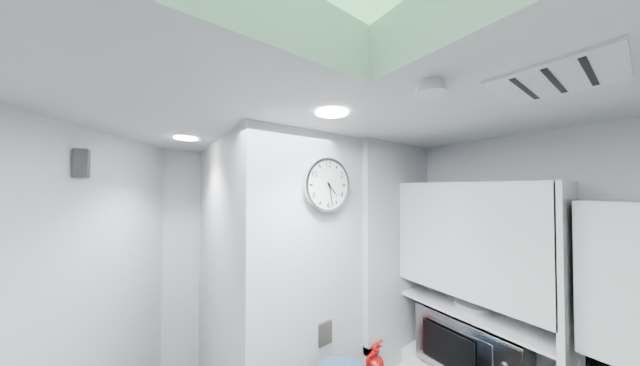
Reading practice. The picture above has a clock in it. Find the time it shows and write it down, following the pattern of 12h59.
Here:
4h28
